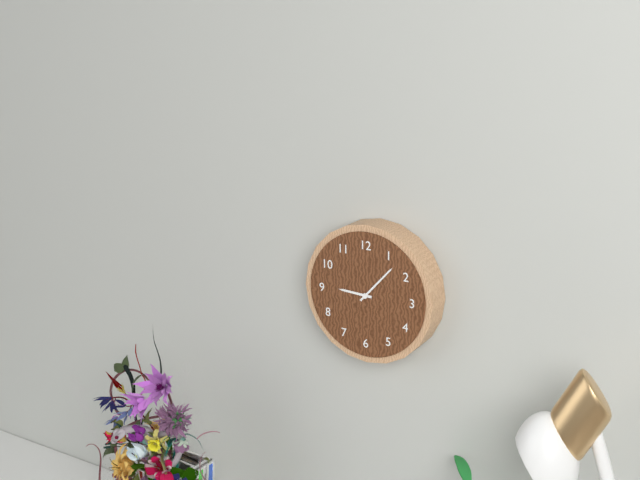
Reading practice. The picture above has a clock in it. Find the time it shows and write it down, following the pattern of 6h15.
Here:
9h07
